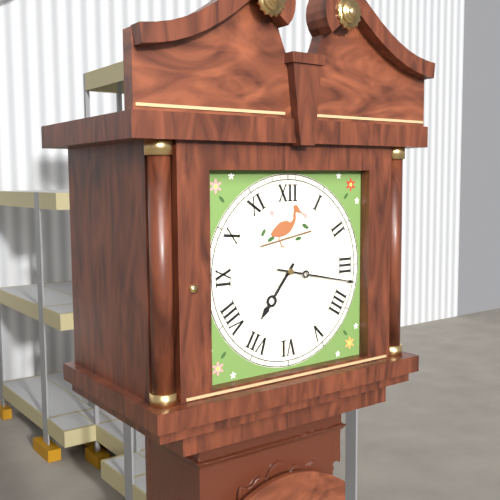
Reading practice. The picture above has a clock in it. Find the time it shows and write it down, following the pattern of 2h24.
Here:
7h17
